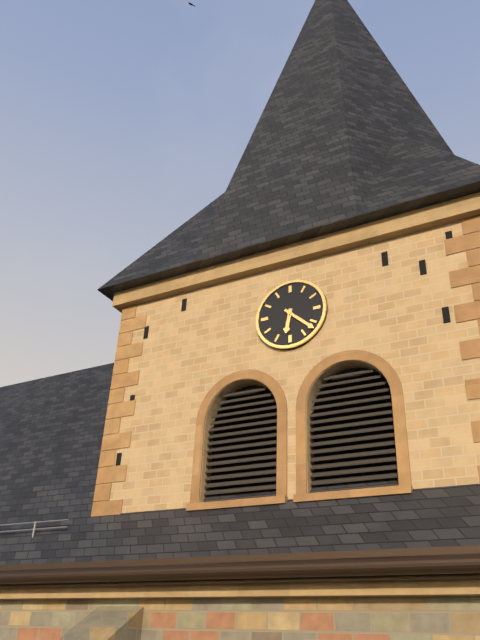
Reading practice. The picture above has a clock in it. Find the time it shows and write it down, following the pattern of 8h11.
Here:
6h22
